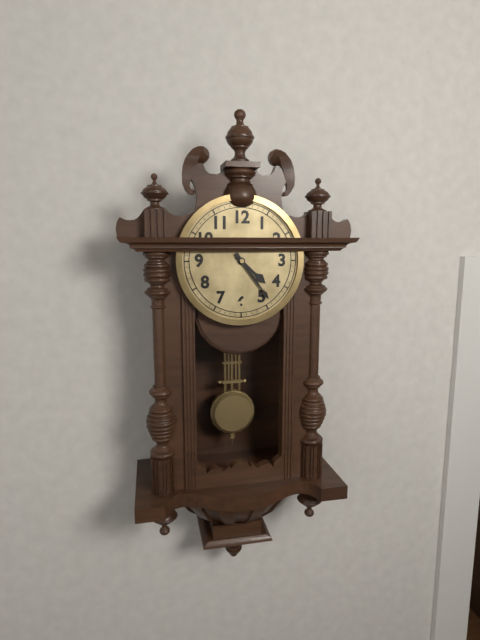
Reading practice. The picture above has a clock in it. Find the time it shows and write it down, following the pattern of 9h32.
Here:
4h24
